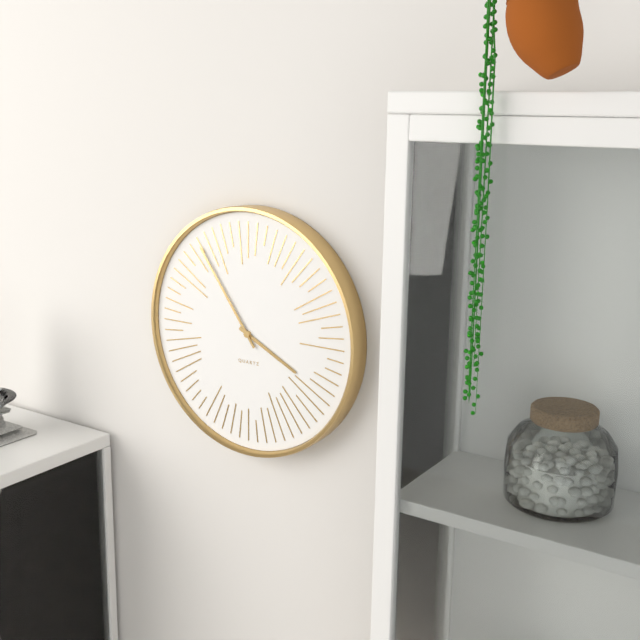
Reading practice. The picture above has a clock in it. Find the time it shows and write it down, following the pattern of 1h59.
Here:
3h54
